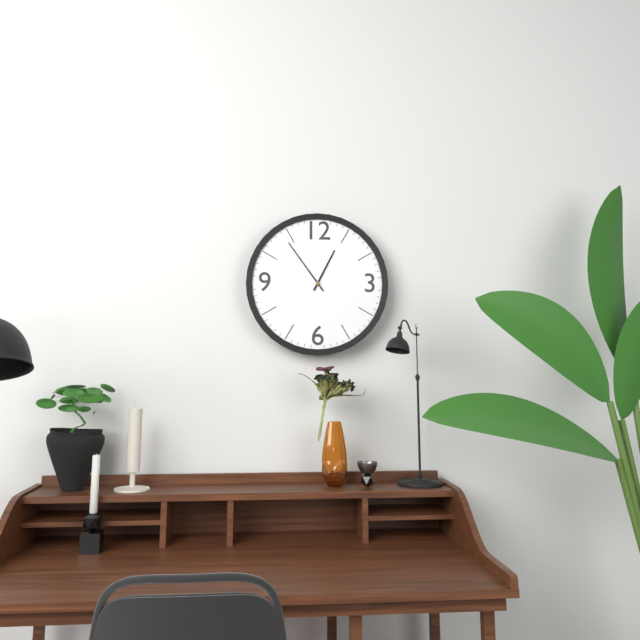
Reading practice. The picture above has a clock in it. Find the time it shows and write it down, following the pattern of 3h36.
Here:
12h54
